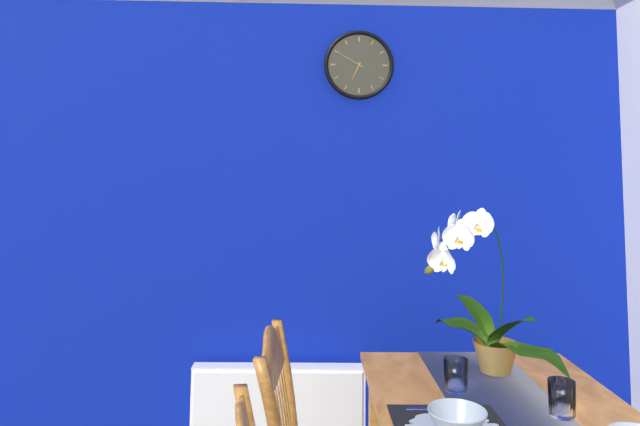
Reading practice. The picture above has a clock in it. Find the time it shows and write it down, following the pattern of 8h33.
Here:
6h50
